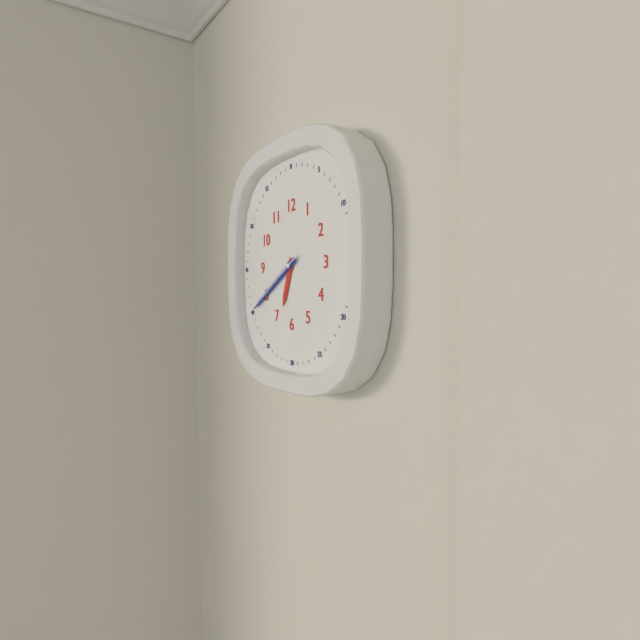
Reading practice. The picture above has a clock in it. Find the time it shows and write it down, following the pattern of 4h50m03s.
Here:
6h40m40s
